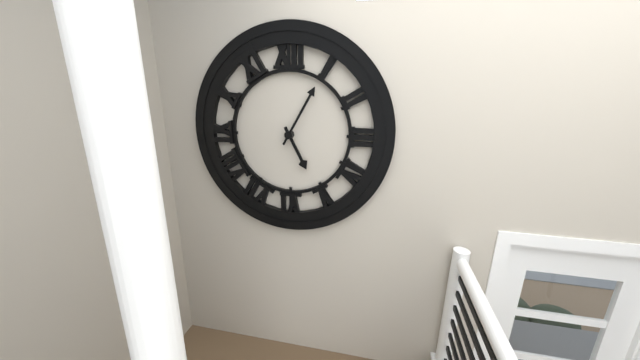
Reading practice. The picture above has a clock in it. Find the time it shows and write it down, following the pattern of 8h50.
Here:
5h05
